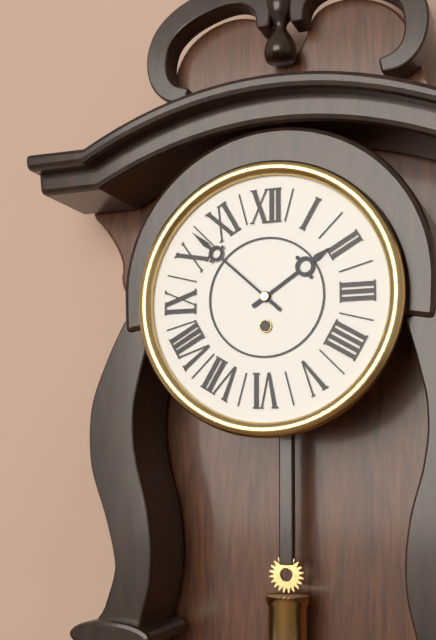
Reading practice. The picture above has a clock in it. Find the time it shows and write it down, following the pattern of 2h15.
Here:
1h52
